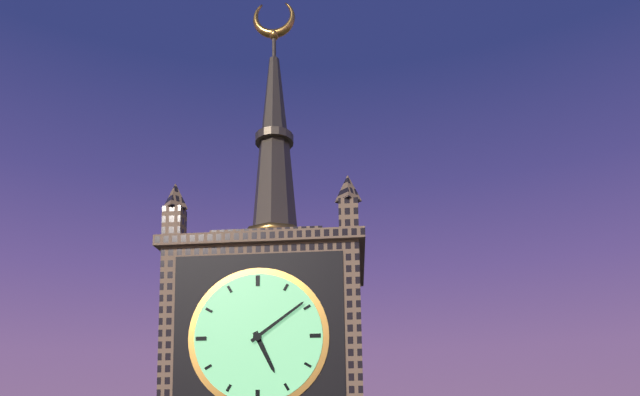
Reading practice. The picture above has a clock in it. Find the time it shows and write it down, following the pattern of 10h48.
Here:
5h09
